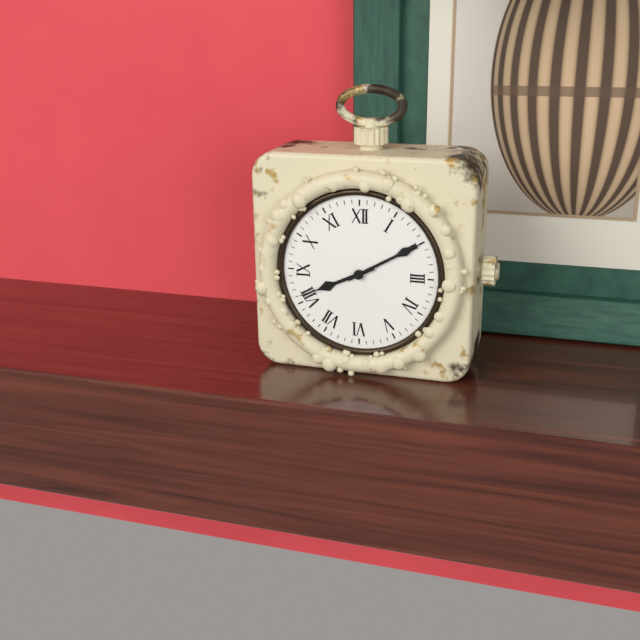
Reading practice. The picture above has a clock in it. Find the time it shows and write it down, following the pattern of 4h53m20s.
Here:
8h10m41s
